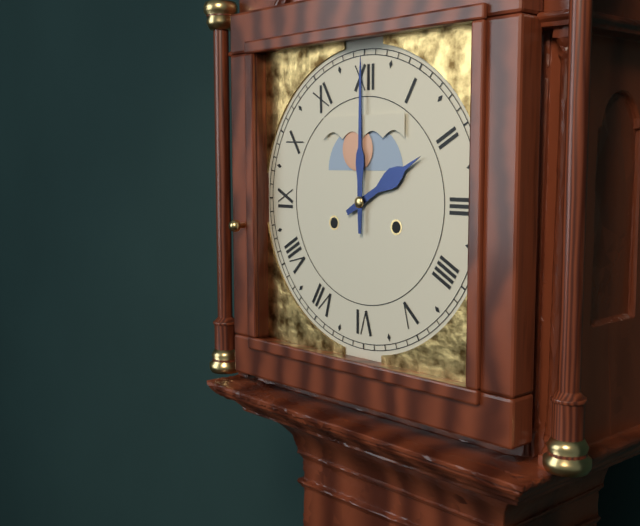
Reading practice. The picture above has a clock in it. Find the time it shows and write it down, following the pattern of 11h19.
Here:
2h00
